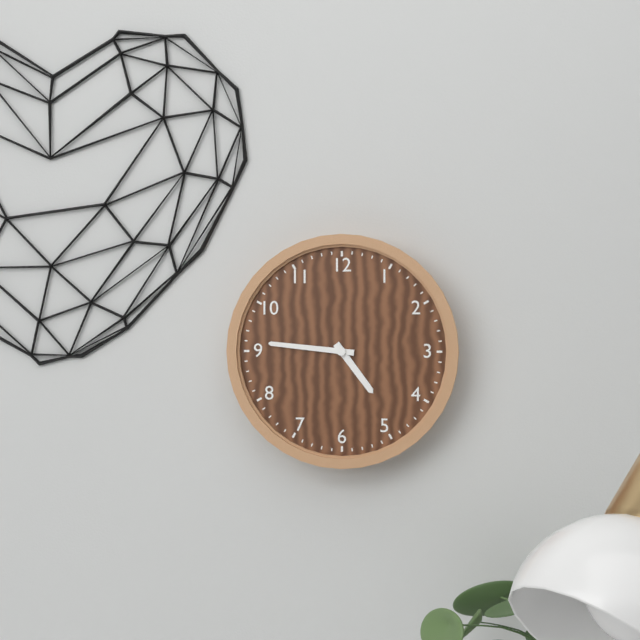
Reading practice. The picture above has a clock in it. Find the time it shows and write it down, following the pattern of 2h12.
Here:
4h46
